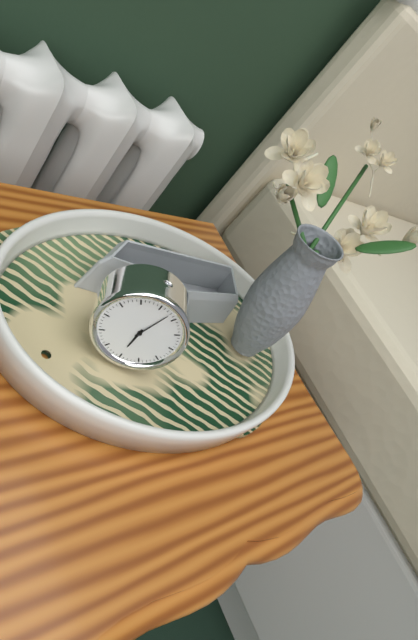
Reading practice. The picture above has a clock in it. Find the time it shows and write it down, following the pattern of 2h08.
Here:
6h03
